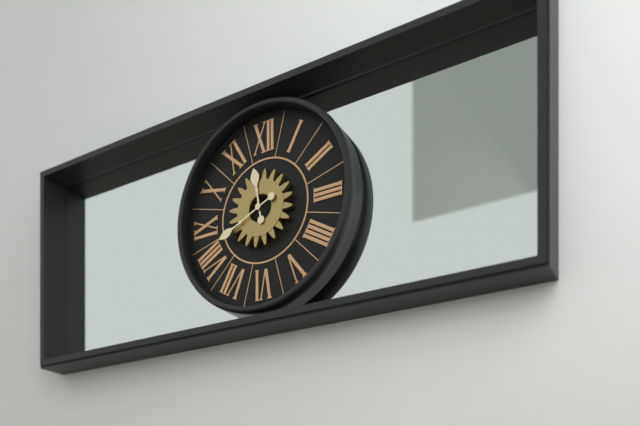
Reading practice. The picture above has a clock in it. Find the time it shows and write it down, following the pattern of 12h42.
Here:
11h41
